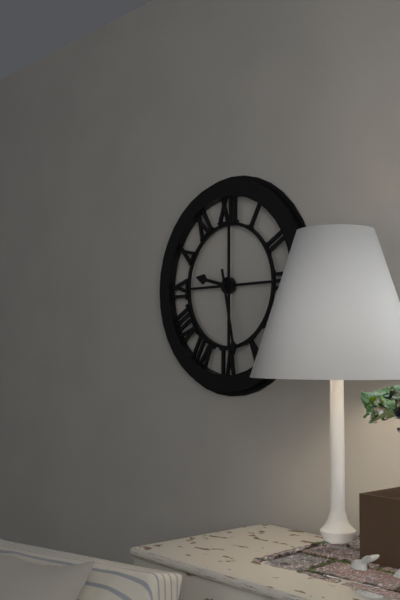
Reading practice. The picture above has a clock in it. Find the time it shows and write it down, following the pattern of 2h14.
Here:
9h28
